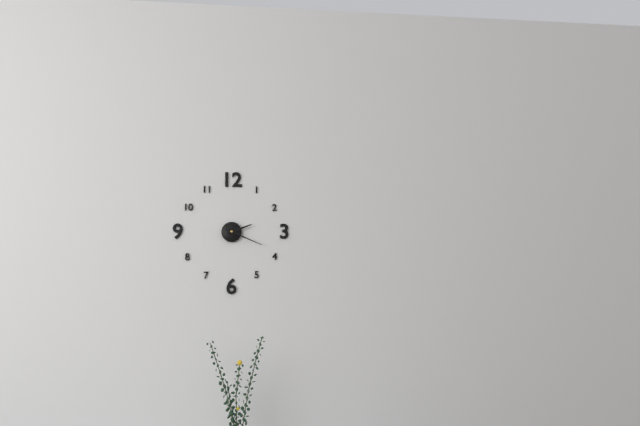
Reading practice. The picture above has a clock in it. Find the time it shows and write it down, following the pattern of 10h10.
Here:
2h19
